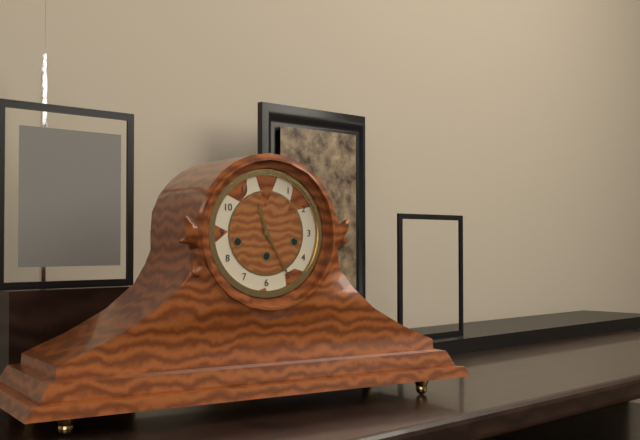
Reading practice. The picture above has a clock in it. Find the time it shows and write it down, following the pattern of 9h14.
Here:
11h25
